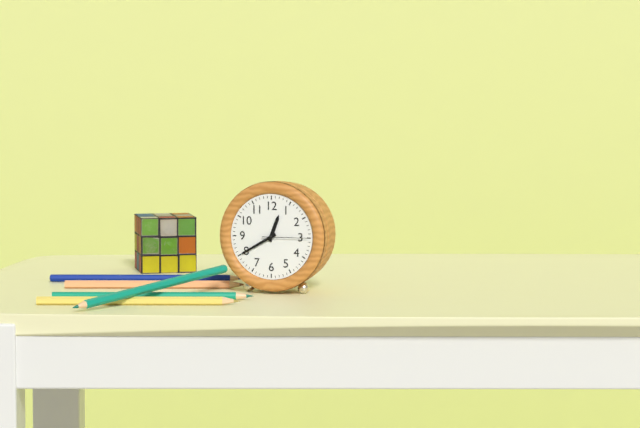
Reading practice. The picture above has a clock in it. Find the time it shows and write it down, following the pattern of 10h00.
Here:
12h40
